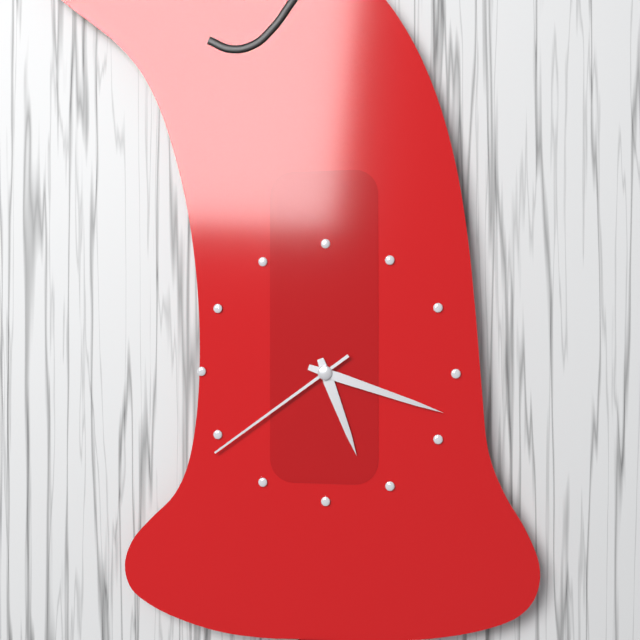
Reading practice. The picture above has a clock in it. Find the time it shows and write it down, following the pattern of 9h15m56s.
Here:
5h18m39s
